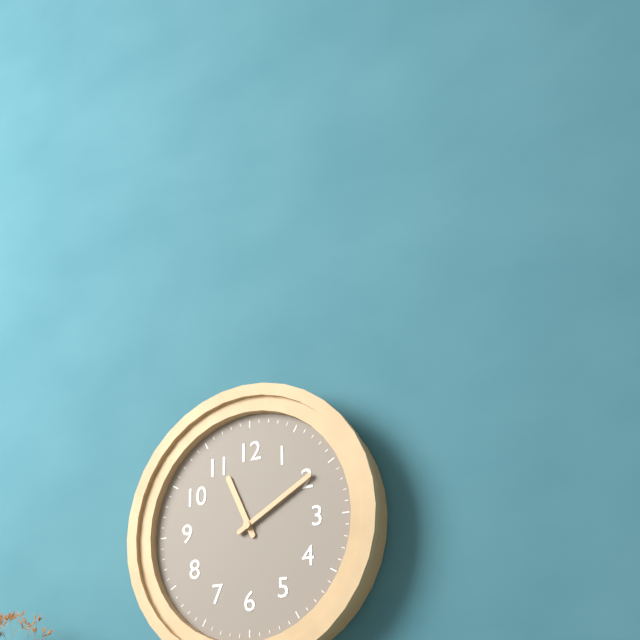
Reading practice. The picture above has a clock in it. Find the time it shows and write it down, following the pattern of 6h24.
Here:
11h10
